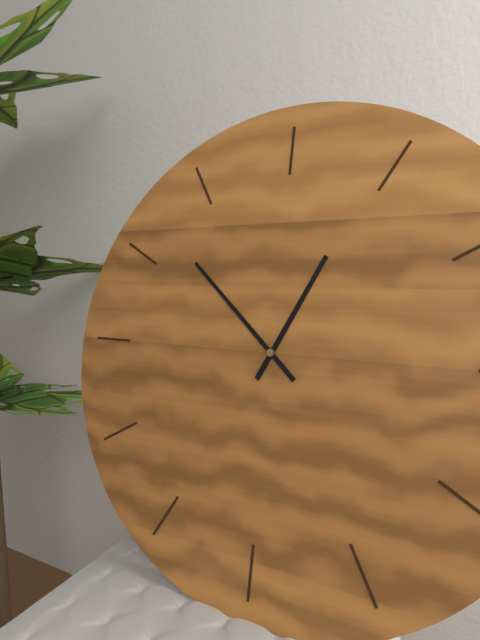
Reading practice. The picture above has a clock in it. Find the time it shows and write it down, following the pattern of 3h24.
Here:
12h52
